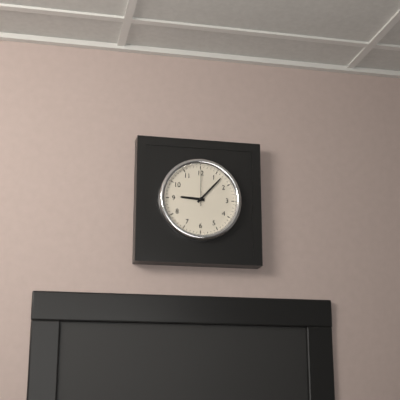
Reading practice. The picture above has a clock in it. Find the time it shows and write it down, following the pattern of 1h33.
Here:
9h07
